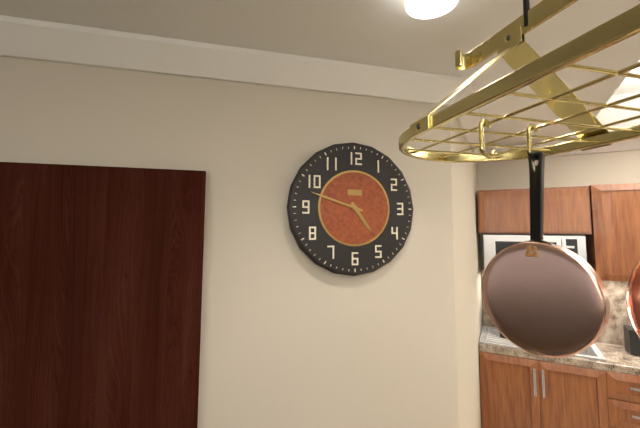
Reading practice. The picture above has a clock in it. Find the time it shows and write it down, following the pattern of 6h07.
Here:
4h48
